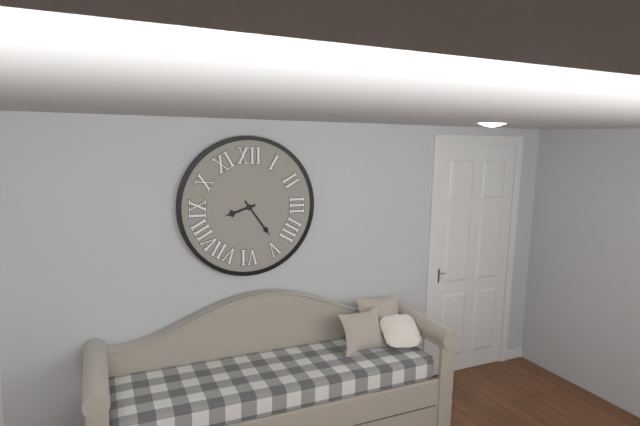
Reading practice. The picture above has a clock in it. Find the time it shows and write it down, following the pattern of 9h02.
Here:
8h24
